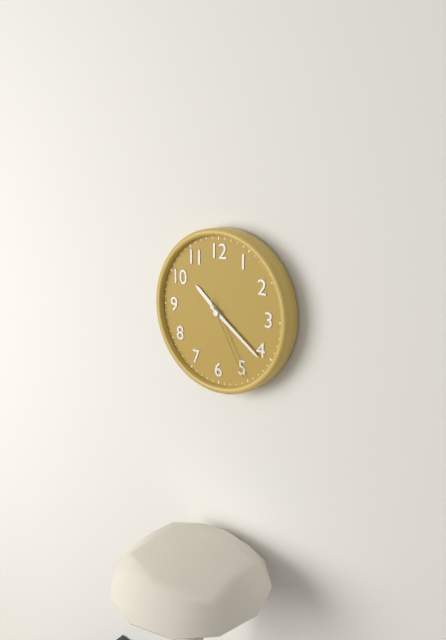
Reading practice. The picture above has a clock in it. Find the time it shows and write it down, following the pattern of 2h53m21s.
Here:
10h21m25s
